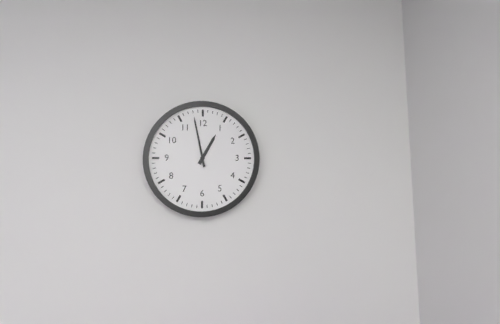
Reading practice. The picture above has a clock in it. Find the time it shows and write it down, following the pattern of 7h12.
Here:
12h58
